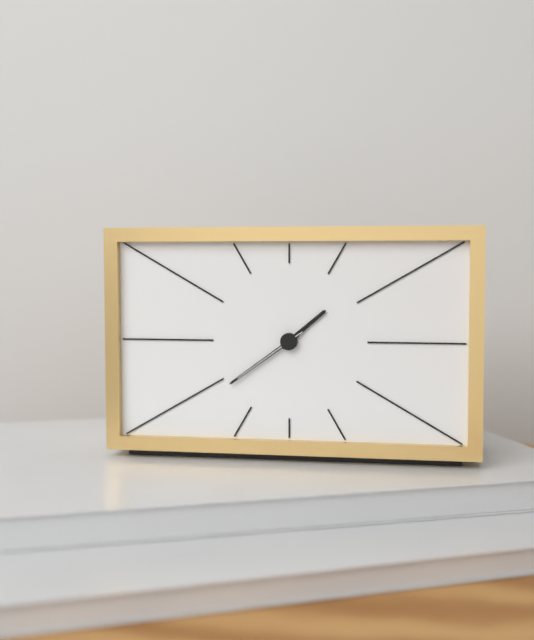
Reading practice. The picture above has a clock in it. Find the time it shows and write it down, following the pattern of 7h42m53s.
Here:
1h39m39s
